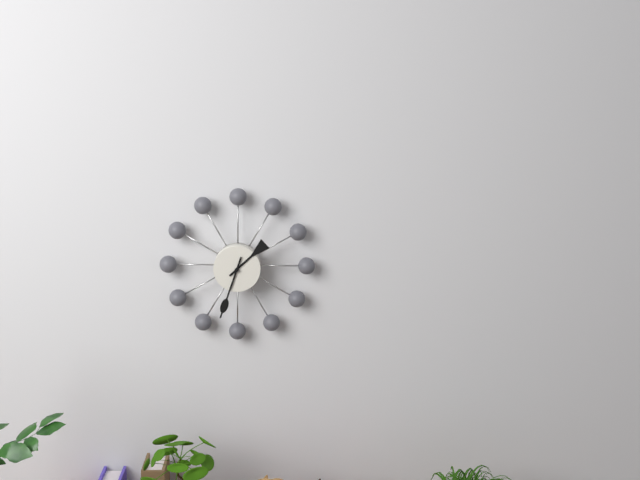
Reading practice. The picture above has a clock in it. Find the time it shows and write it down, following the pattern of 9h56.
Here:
1h33
